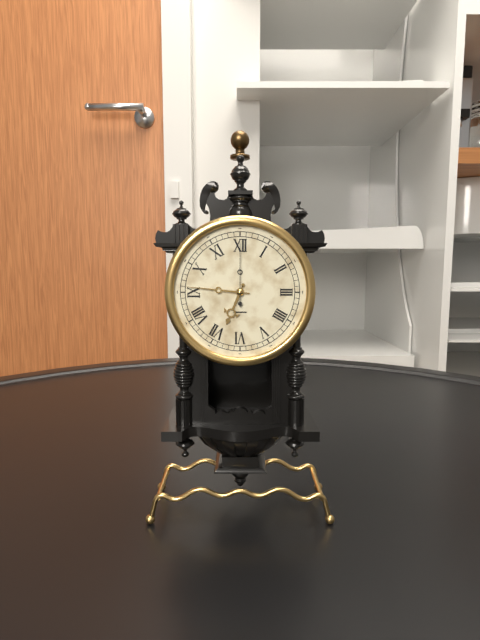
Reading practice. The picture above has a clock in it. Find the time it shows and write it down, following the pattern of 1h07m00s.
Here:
6h46m00s
